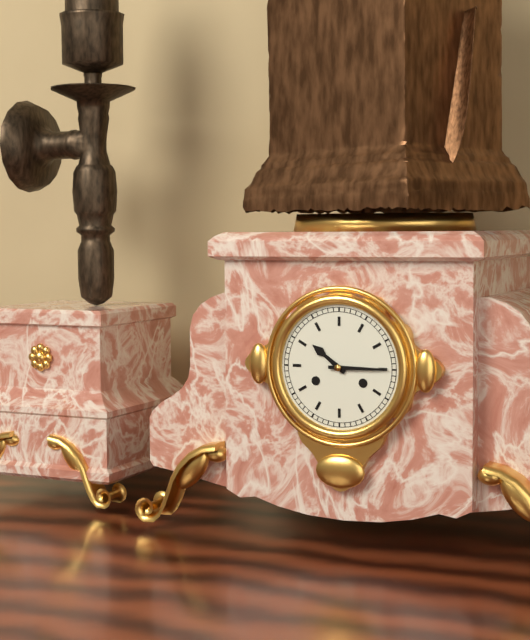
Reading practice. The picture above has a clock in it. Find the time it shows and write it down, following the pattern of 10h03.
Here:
10h15
